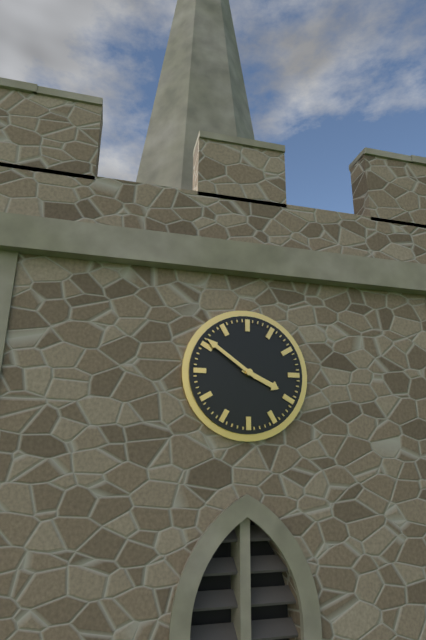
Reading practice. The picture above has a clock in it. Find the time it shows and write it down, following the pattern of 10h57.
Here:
3h51
